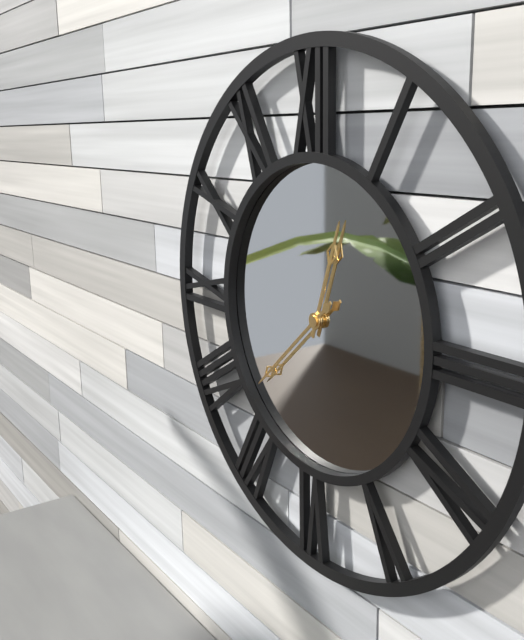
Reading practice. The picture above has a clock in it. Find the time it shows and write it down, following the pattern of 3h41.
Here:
12h38
